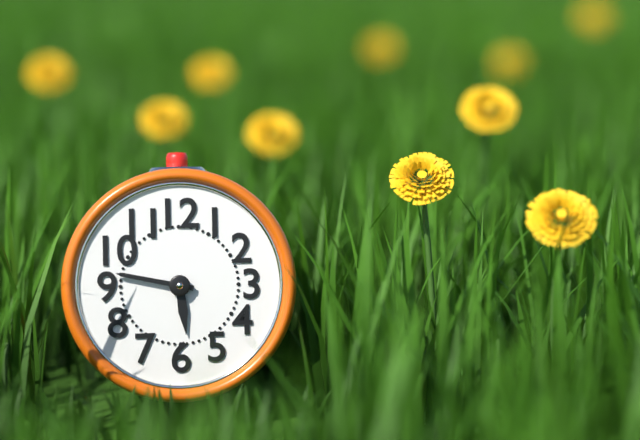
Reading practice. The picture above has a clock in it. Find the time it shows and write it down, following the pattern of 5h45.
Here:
5h47
